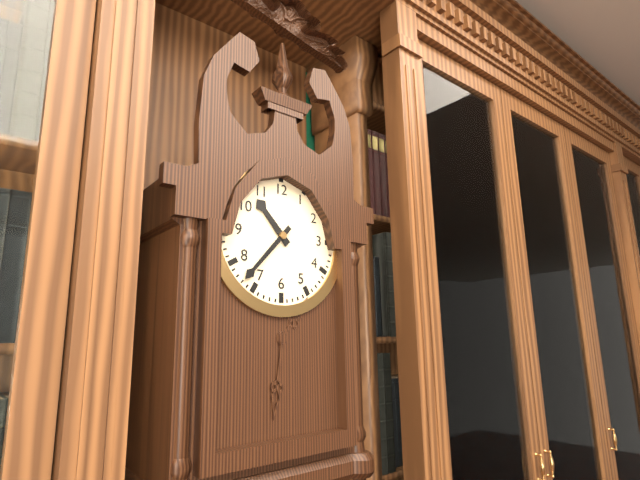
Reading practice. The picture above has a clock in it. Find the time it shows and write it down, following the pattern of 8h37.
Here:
10h37
